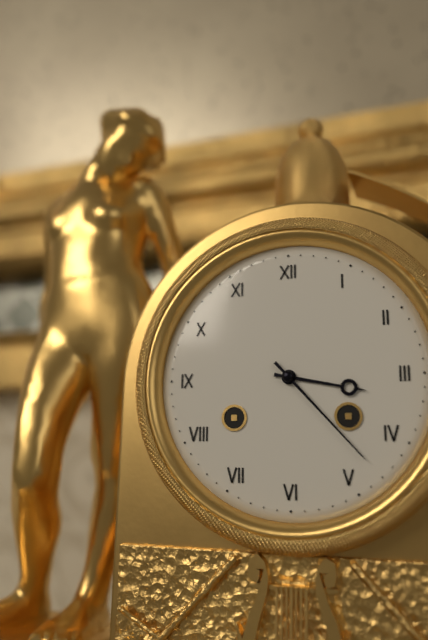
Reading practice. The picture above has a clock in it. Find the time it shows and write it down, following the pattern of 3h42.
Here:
3h23
